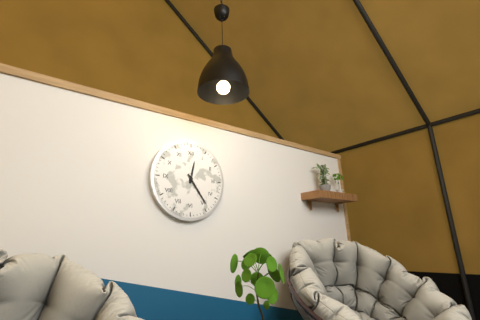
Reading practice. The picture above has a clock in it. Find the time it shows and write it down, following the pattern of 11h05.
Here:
12h24
